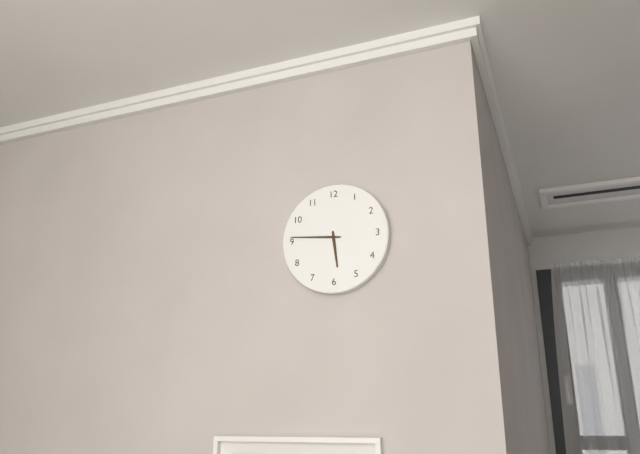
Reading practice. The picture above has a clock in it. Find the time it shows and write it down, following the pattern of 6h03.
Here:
5h46
